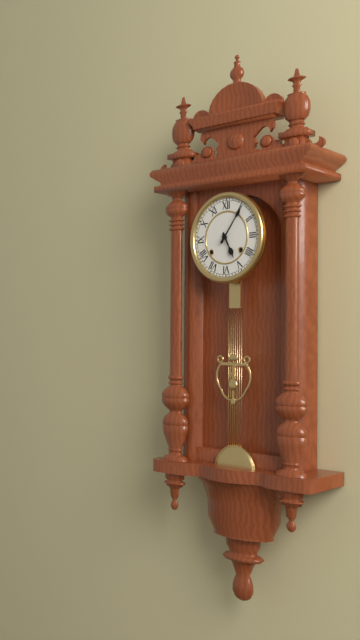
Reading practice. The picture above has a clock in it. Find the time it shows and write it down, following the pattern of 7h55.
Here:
5h06
